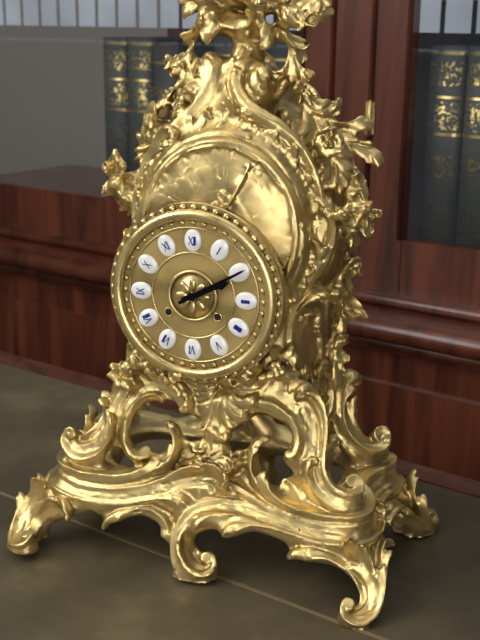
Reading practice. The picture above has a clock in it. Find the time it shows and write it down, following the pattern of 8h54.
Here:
2h10
